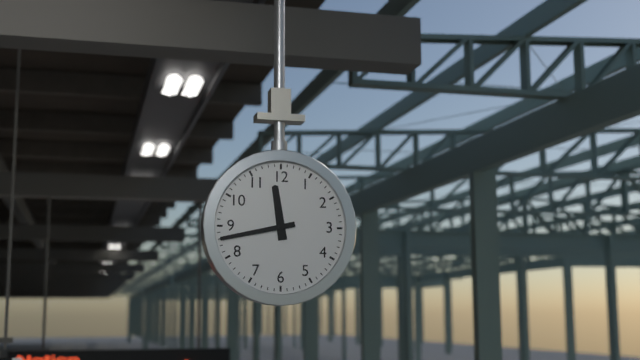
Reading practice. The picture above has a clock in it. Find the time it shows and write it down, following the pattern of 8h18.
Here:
11h43
